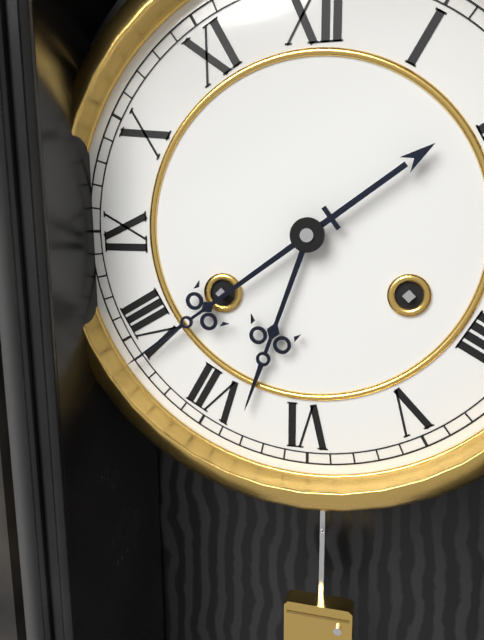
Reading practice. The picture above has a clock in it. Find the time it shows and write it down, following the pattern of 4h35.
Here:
6h39
